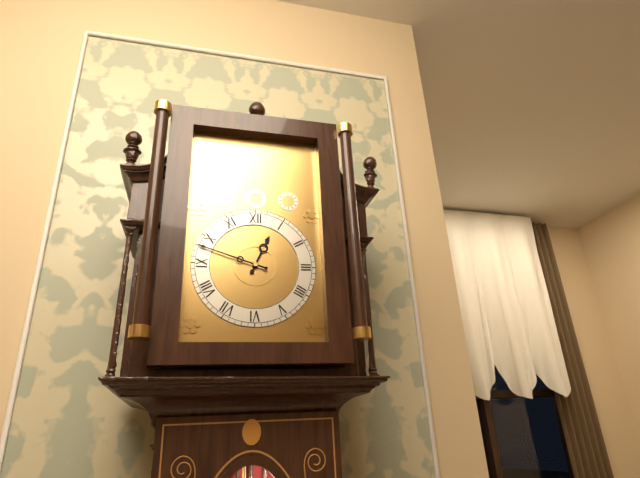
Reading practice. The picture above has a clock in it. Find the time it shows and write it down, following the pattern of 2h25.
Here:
12h48
